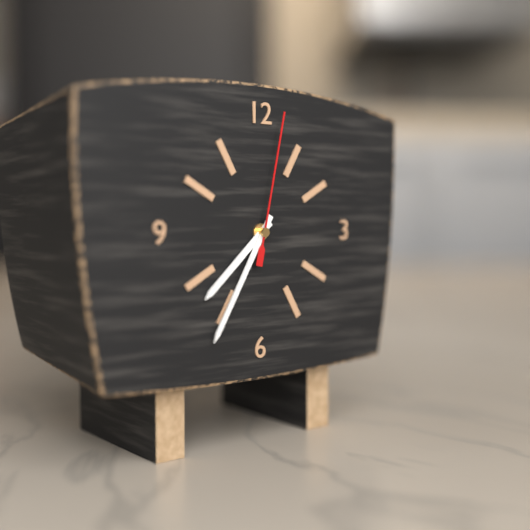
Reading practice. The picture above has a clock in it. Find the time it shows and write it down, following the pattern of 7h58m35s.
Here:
7h35m02s
